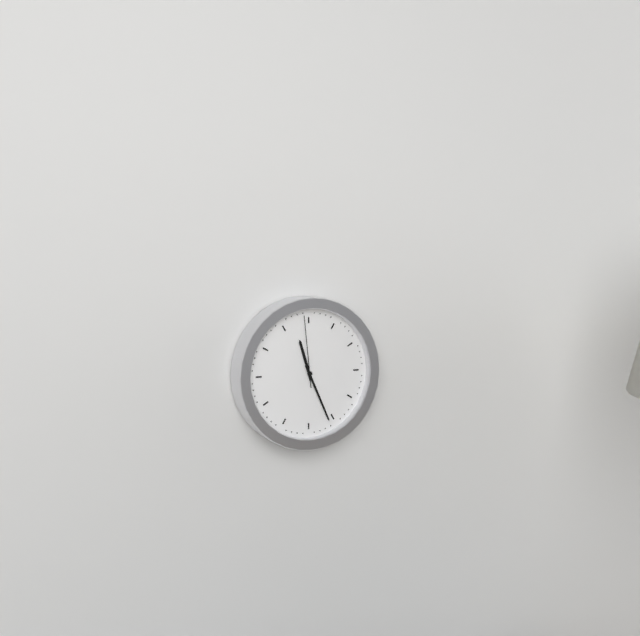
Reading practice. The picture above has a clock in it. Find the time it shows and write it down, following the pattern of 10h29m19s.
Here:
11h26m59s
